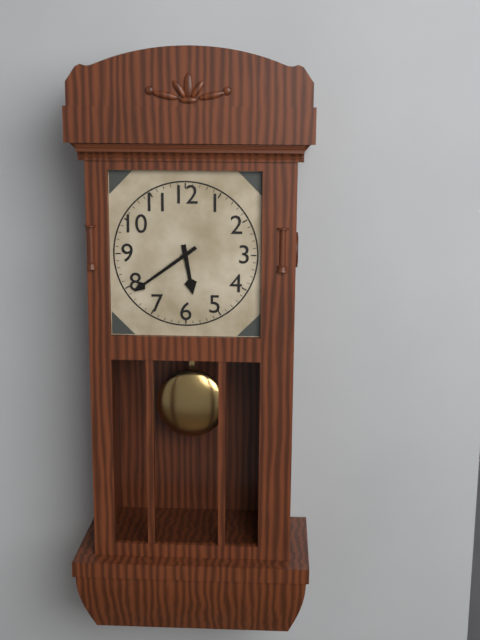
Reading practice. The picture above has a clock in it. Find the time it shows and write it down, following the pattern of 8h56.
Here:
5h39
